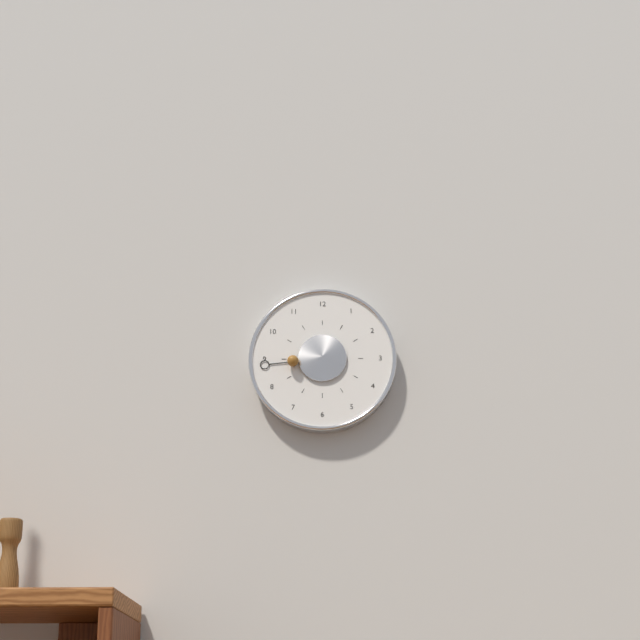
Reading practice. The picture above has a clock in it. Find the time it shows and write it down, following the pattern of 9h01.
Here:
8h44
